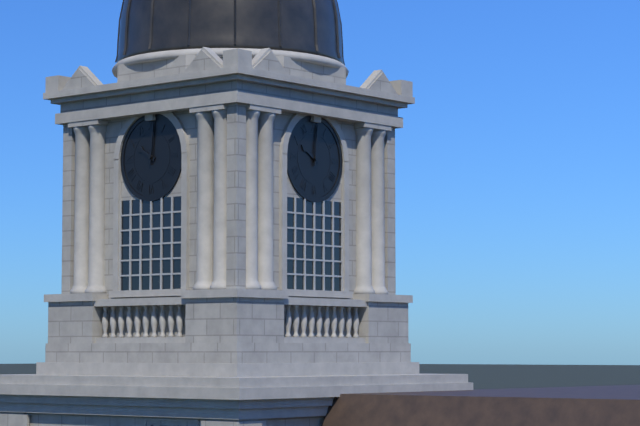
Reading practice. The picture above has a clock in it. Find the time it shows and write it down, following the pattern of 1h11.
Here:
10h01
